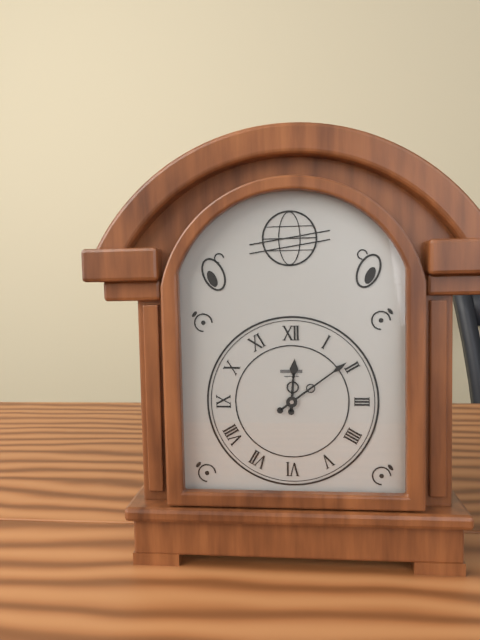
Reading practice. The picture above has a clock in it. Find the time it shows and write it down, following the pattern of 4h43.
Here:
12h09
